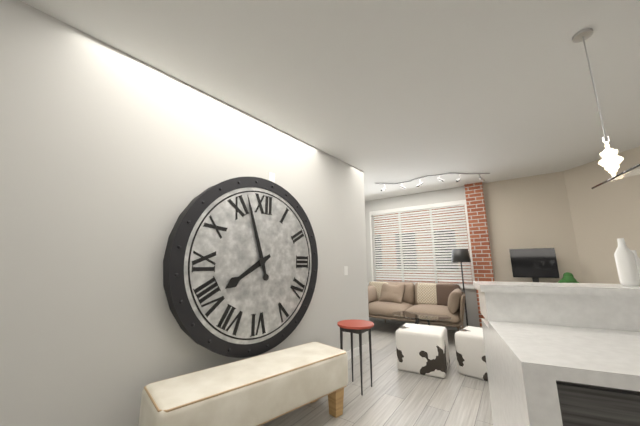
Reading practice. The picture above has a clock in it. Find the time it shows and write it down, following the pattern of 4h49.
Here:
7h57
